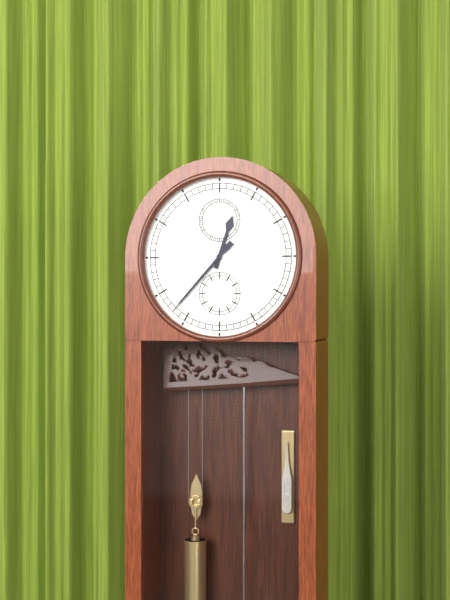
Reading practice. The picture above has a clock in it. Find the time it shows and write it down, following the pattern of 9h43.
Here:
12h37
